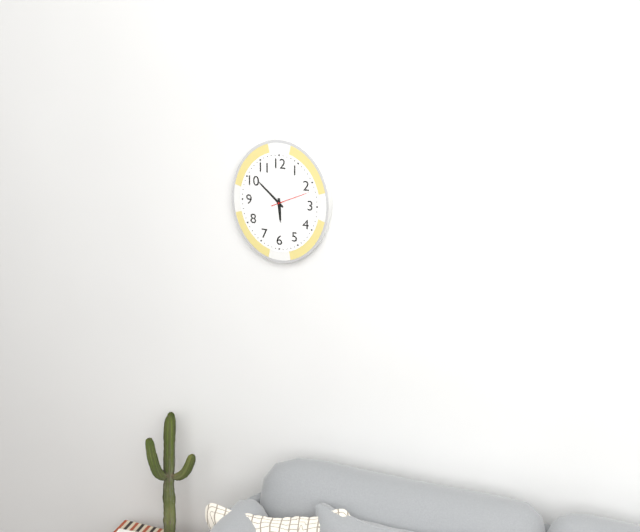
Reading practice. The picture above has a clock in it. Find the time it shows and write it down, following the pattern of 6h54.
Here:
5h52
